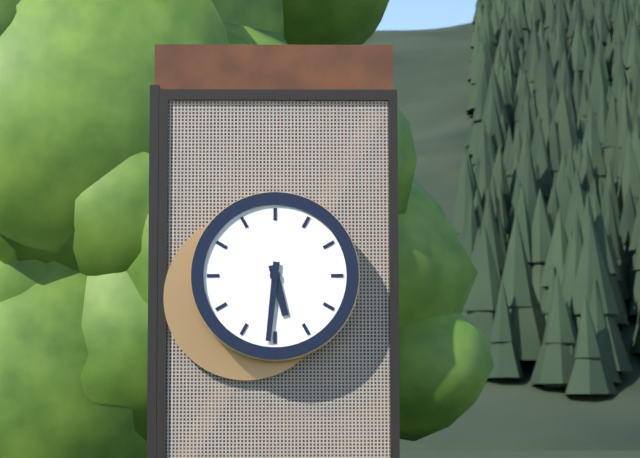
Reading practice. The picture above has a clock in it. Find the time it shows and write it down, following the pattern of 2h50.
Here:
5h31
